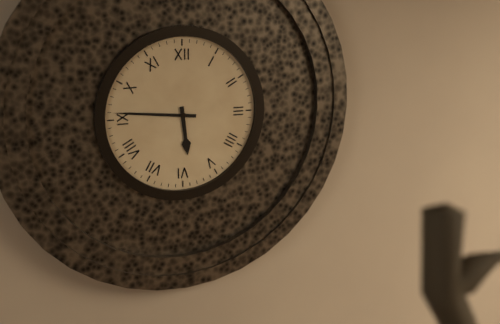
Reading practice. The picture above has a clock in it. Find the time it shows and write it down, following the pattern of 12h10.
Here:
5h46
